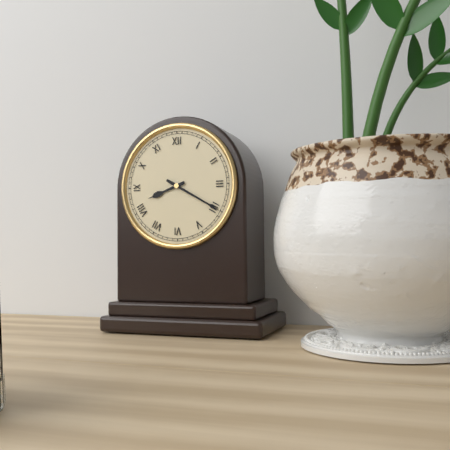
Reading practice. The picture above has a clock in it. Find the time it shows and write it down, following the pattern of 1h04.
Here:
8h20
